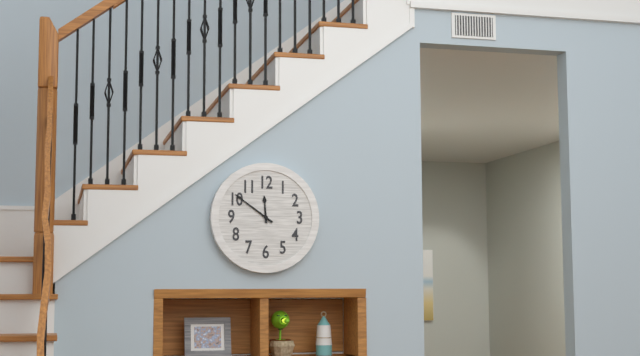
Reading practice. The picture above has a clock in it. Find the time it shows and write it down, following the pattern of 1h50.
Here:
11h51
